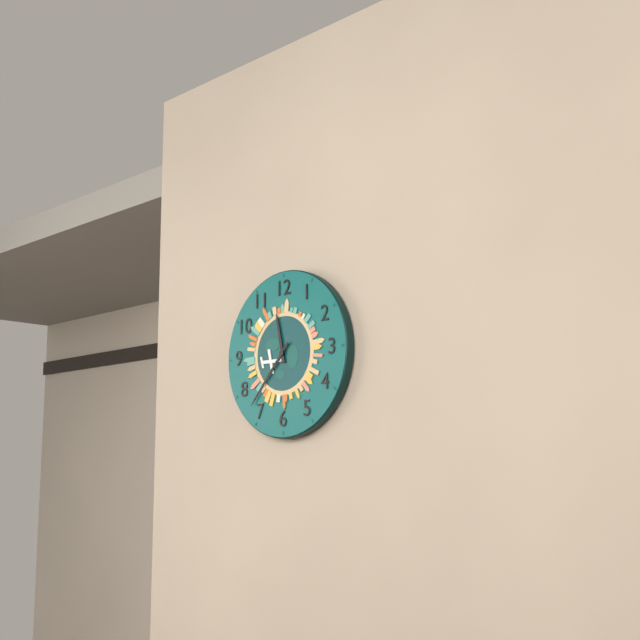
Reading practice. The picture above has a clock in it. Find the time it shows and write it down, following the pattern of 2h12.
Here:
11h37
